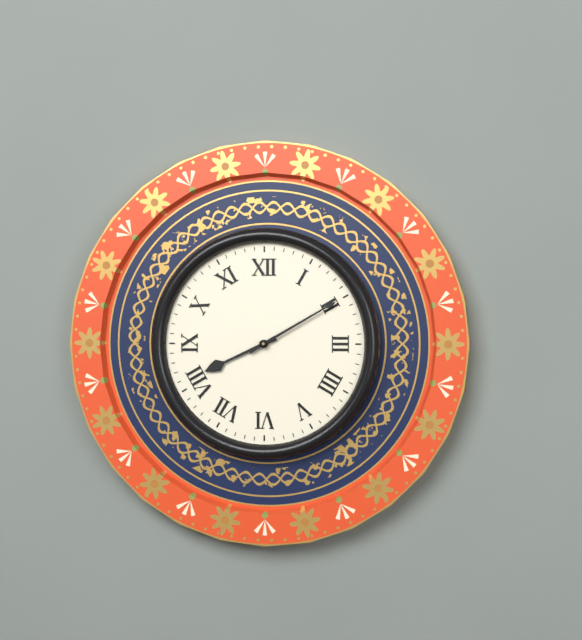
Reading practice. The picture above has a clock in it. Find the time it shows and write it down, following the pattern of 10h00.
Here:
8h10
